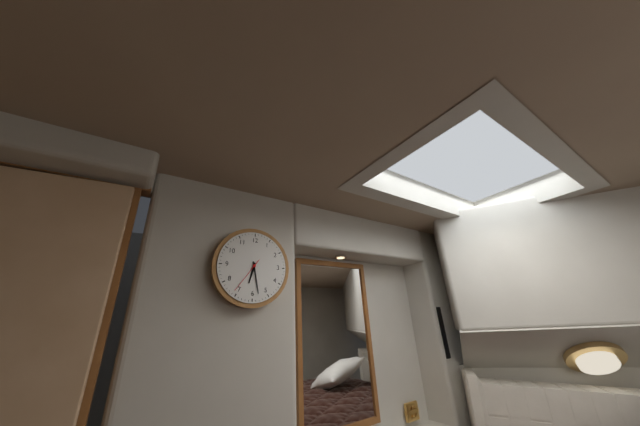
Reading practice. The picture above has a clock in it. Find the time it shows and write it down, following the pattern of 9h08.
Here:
6h28
